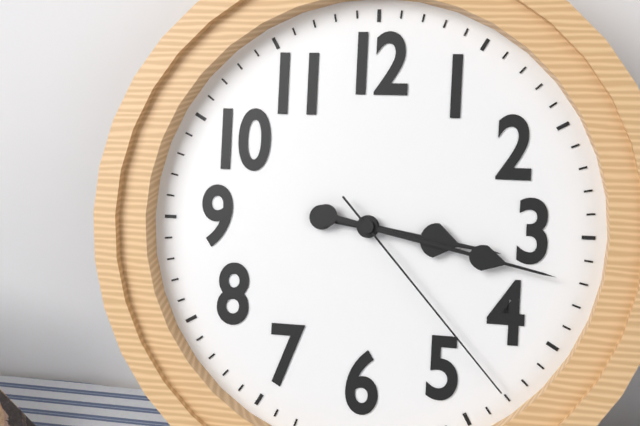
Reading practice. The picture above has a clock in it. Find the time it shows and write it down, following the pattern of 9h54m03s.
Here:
3h17m23s
